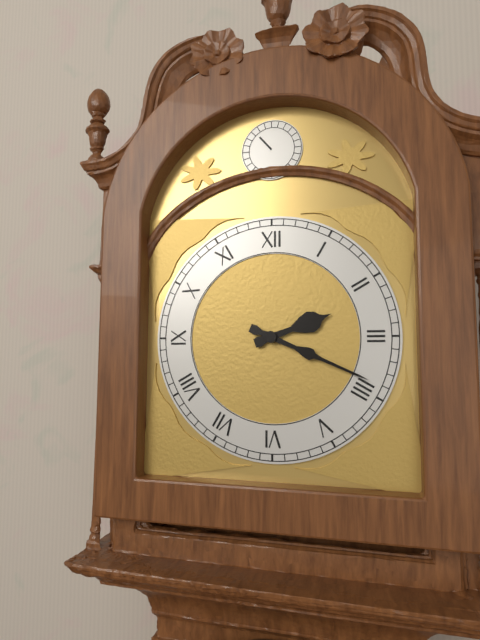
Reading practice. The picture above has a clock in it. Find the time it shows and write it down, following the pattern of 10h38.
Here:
2h19
